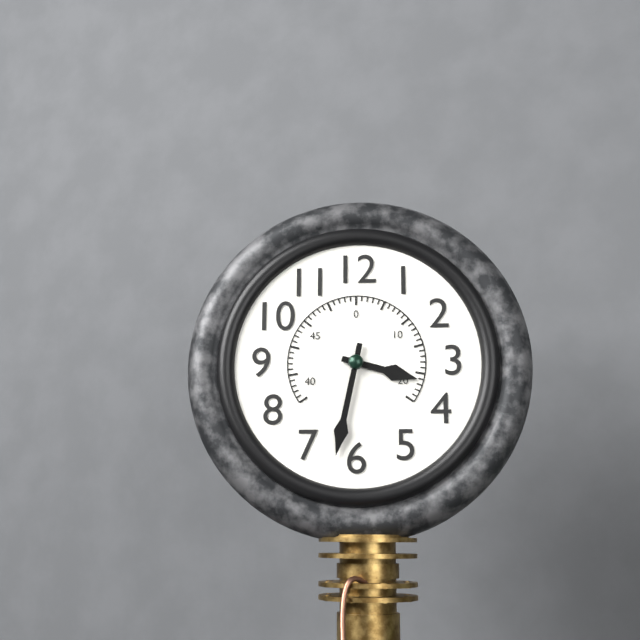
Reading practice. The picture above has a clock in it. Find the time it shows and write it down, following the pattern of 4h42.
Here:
3h32
